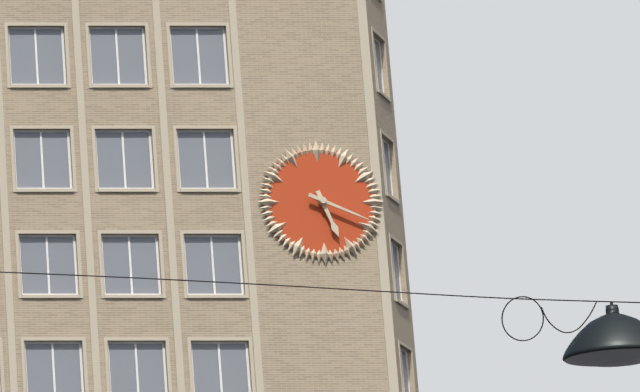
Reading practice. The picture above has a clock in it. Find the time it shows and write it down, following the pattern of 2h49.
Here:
5h19
